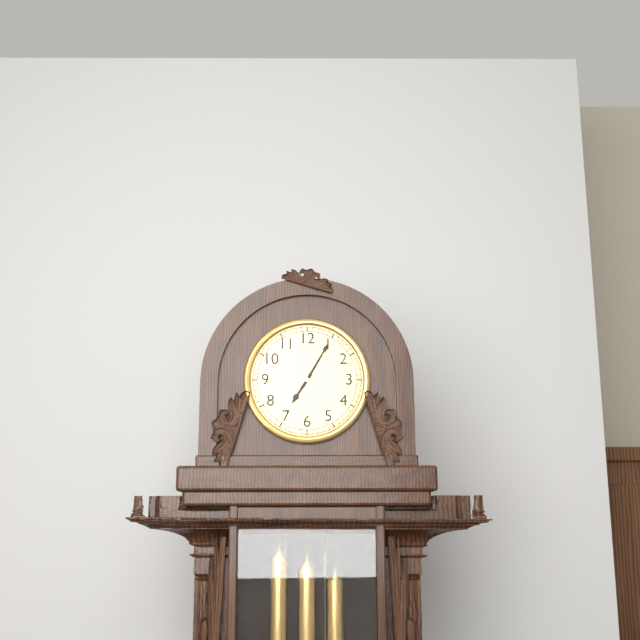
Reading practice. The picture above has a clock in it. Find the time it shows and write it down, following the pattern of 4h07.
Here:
7h05
